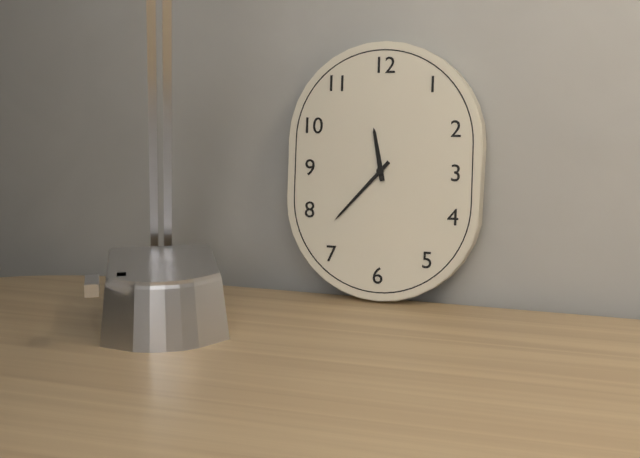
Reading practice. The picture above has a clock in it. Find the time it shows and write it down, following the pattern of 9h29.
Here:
11h37
